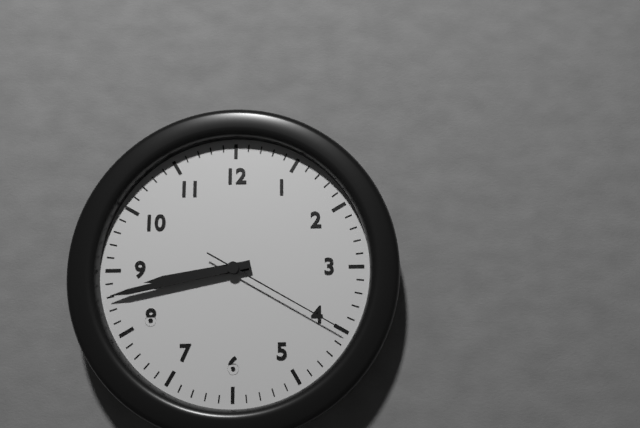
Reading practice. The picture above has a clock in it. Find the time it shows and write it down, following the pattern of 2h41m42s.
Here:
8h43m20s
